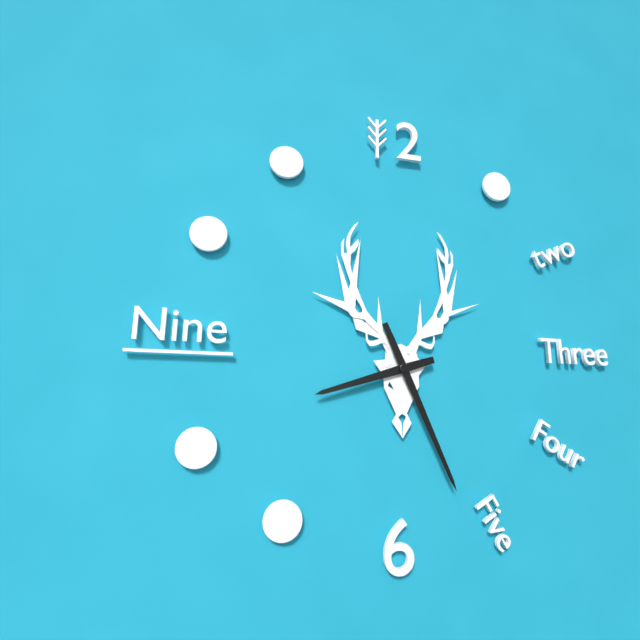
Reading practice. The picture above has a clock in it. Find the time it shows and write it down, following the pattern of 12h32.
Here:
8h26
